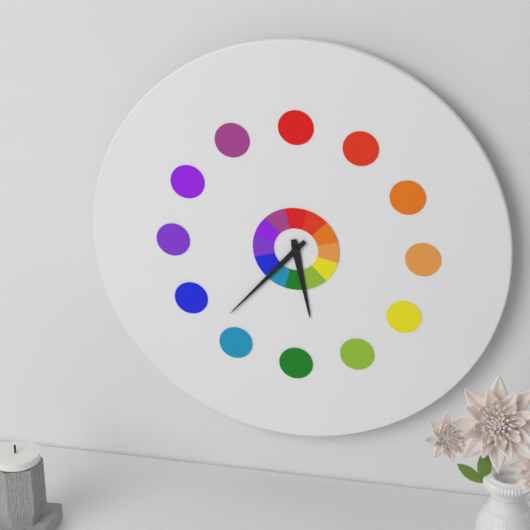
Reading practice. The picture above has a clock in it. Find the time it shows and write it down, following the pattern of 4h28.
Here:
5h37
